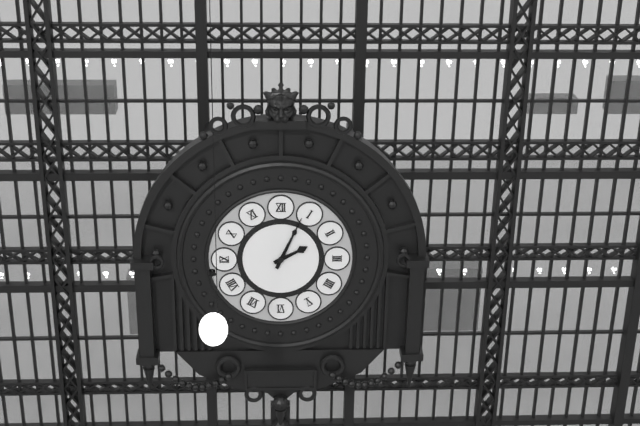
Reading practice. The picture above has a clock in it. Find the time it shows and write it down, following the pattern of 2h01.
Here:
2h04
